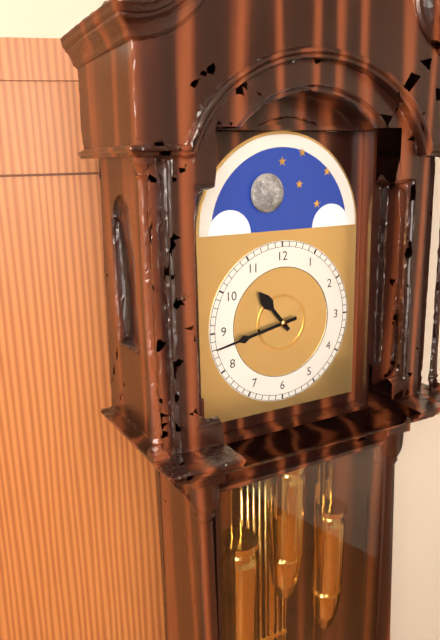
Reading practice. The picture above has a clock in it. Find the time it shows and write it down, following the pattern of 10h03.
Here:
10h43
